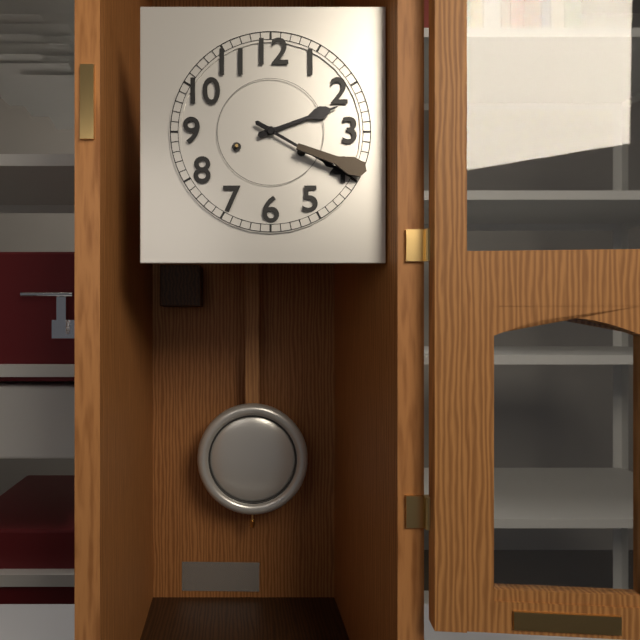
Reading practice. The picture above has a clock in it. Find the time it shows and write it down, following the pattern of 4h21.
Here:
2h20
